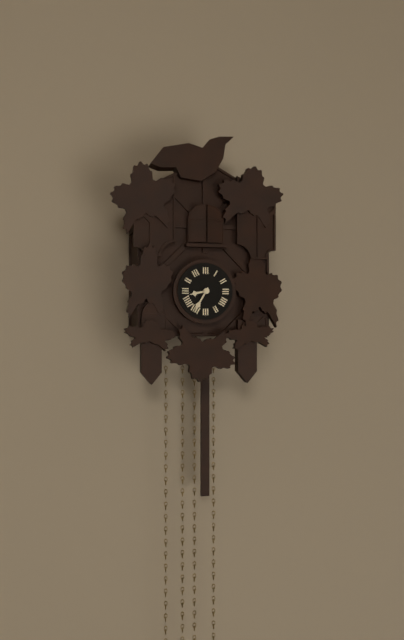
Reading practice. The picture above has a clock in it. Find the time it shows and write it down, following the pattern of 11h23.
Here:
8h35
